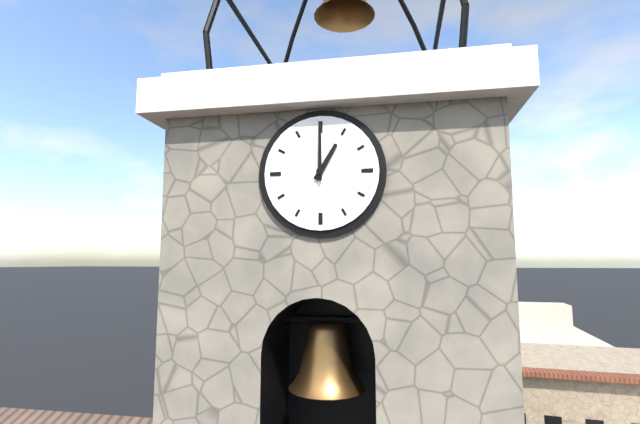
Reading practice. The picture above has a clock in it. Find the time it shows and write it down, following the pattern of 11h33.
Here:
1h00
